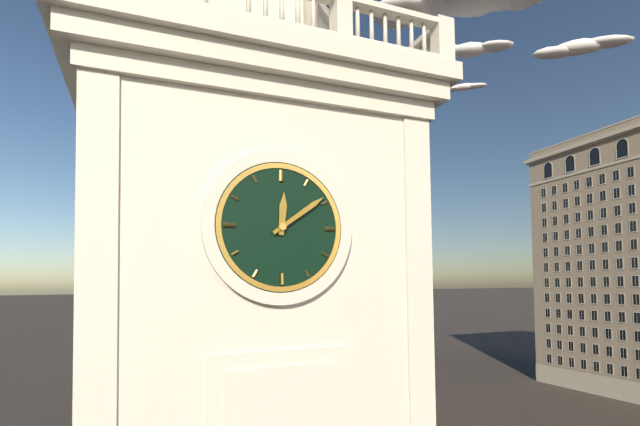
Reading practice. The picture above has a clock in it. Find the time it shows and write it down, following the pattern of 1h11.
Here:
12h09
